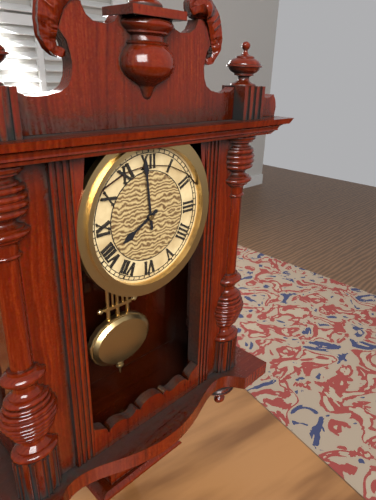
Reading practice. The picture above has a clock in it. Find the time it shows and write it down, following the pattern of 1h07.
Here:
7h59
